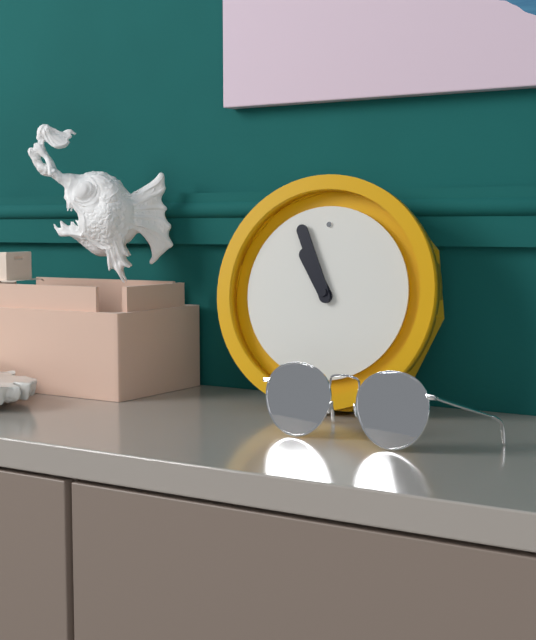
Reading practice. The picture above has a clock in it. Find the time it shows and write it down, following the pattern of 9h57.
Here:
10h56
